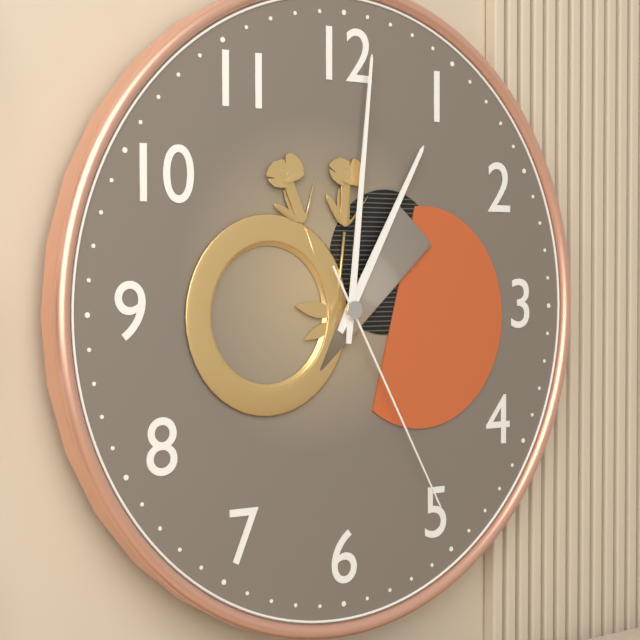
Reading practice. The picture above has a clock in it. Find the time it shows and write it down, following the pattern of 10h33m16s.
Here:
1h01m25s
